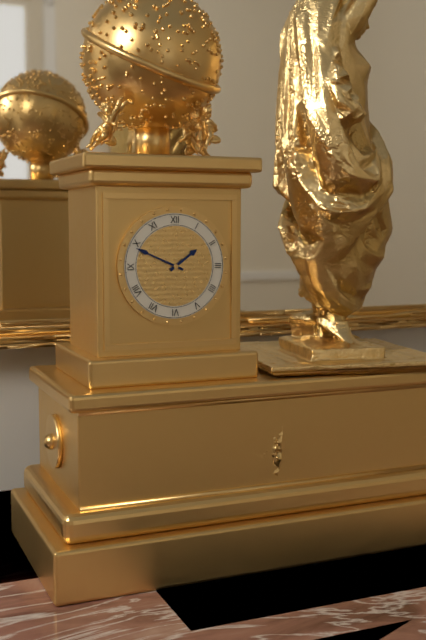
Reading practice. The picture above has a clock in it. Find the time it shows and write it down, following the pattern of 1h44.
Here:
1h49
